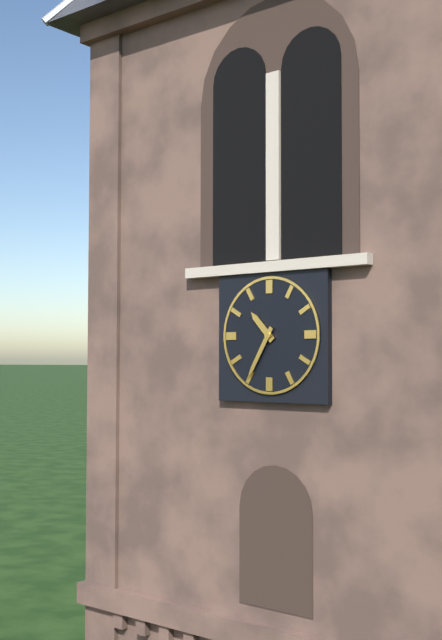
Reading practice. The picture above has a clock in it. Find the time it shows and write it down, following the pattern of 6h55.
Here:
10h35
